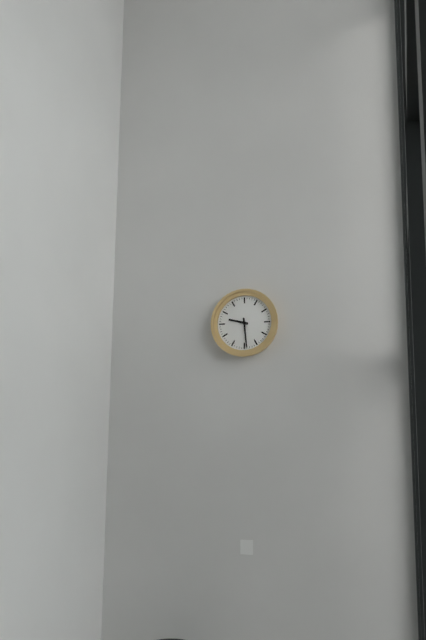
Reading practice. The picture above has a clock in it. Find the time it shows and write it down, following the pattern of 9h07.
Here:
9h29
